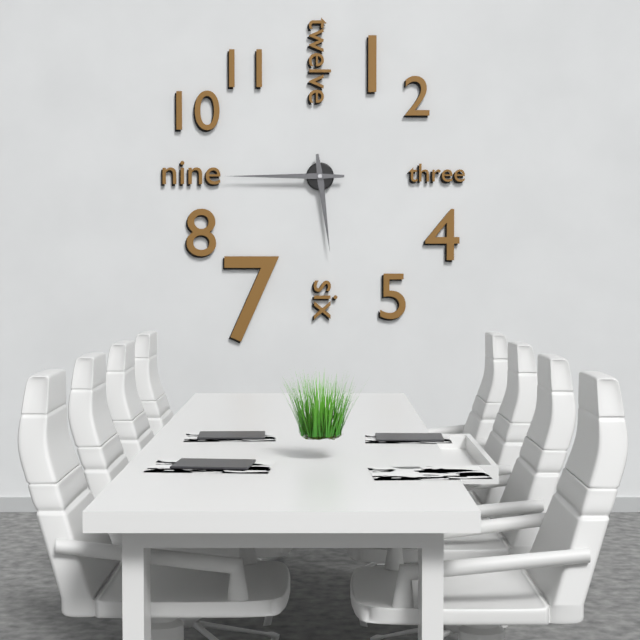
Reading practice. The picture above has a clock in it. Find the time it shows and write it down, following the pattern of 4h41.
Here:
5h45
